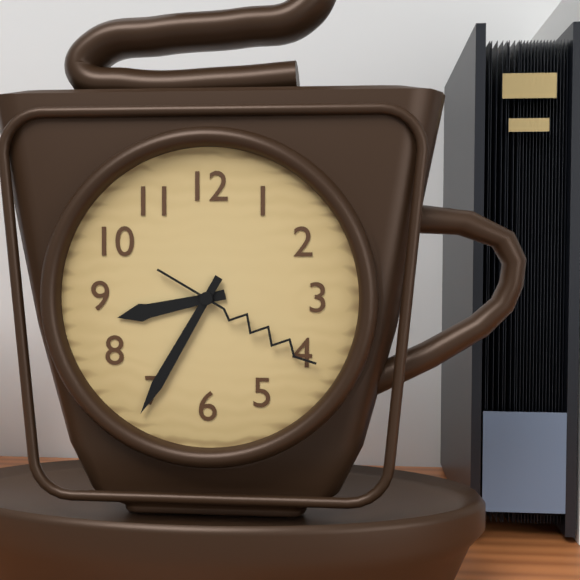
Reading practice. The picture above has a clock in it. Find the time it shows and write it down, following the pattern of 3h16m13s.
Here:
8h35m20s
